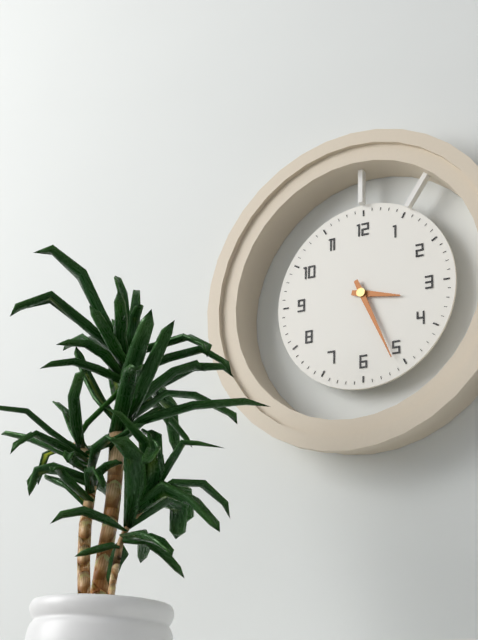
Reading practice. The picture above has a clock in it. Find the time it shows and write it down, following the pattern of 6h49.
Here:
3h26
